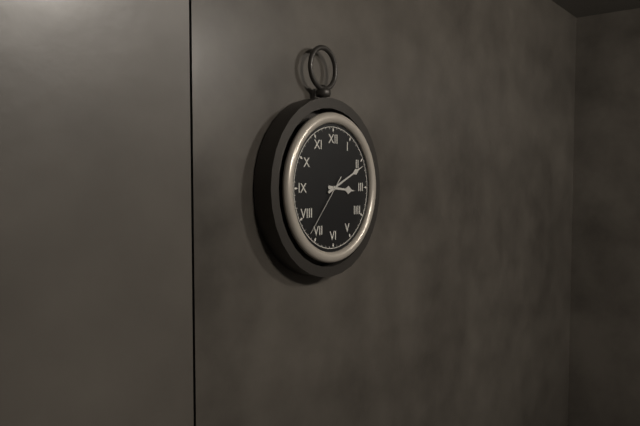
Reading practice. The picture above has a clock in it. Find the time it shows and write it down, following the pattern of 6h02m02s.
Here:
3h11m37s
